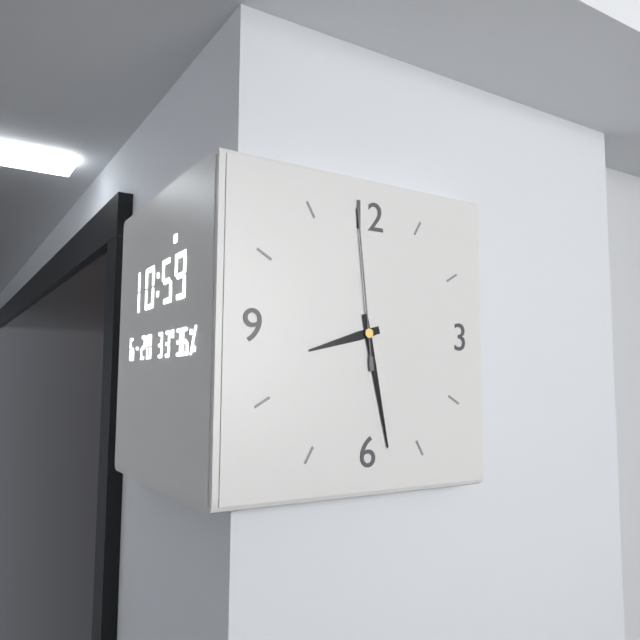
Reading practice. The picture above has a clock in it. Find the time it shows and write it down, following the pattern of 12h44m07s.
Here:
8h28m59s
